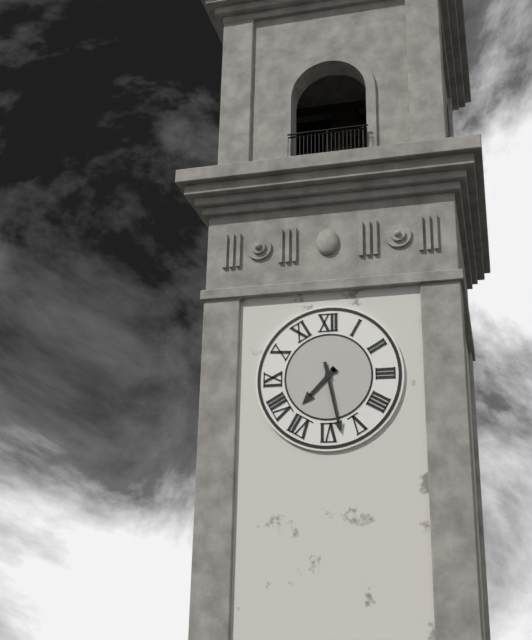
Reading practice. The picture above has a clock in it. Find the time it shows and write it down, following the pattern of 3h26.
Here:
7h28
